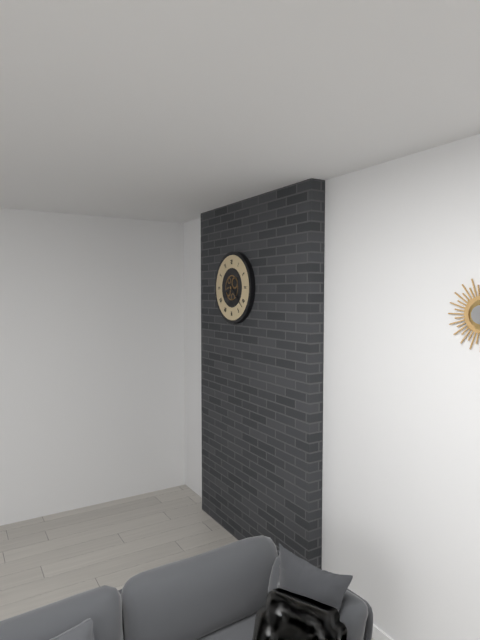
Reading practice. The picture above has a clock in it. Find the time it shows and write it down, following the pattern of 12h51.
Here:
8h22
